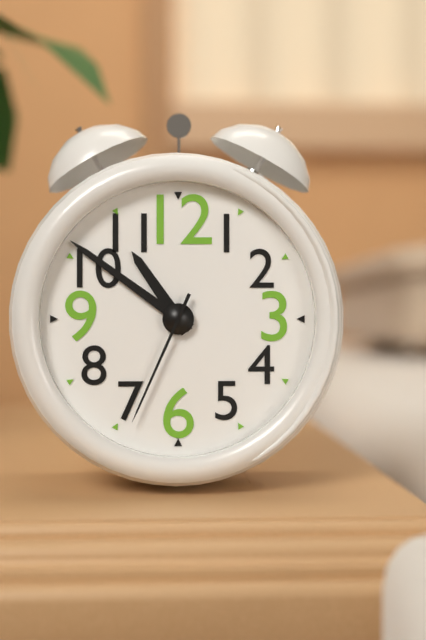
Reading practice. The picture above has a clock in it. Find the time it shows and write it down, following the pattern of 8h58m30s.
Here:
10h51m34s
